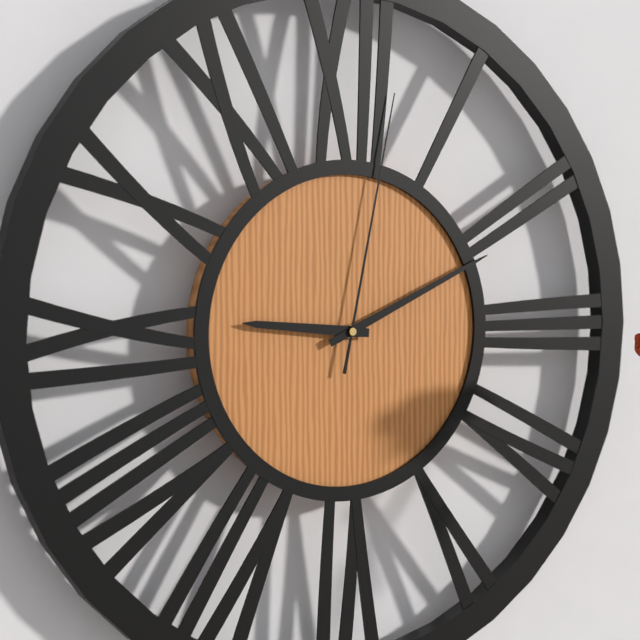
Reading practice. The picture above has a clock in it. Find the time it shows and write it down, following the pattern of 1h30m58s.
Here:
9h11m02s
